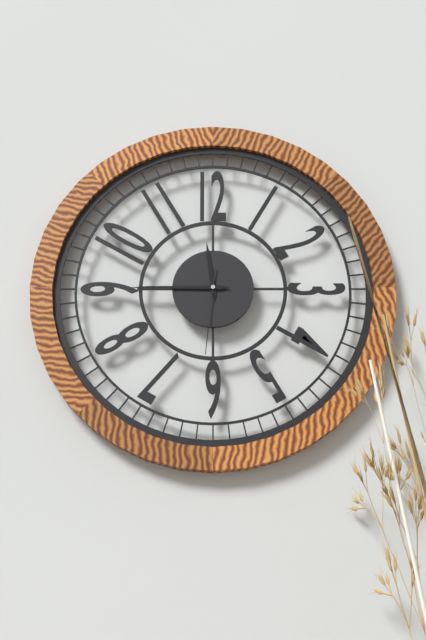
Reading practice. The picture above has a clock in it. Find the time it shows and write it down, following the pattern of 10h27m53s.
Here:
11h45m31s
